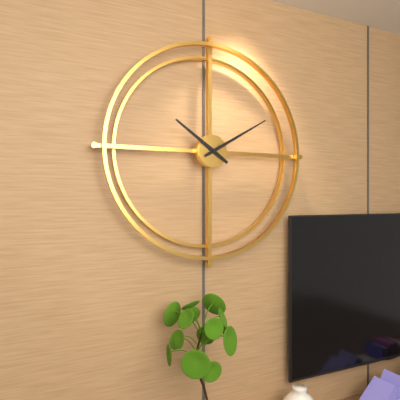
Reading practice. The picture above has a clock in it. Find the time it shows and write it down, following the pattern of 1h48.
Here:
10h10
